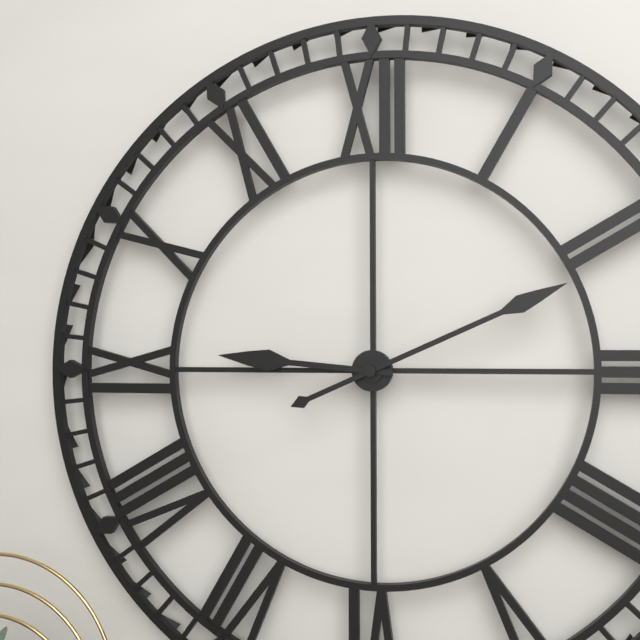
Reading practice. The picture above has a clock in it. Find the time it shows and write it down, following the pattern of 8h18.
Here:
9h11
